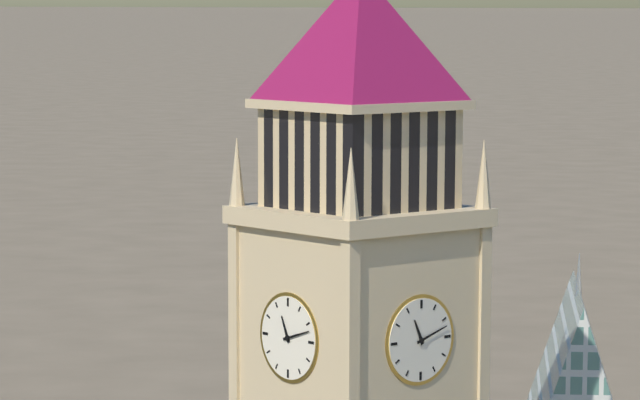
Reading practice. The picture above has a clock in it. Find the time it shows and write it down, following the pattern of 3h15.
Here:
11h12
